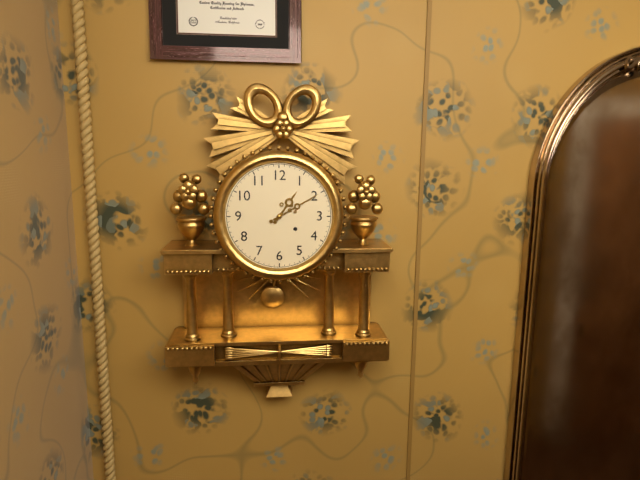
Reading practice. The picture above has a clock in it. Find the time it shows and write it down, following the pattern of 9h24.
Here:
1h10
